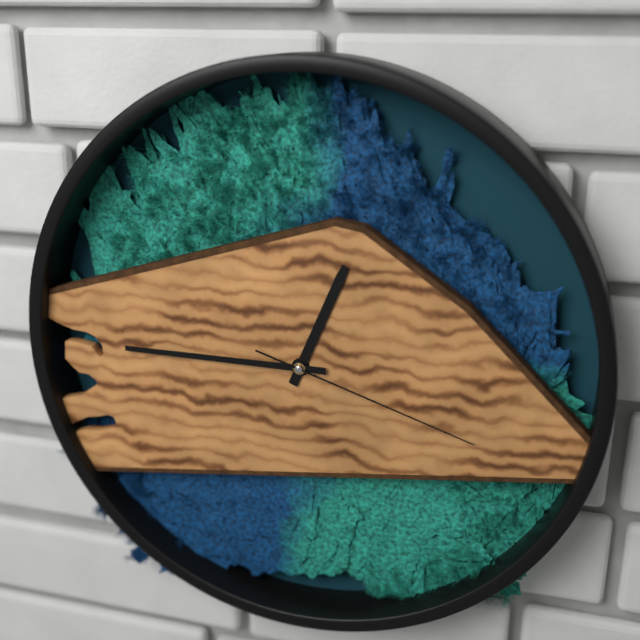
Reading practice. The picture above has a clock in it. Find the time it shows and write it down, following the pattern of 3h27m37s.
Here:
12h45m18s
